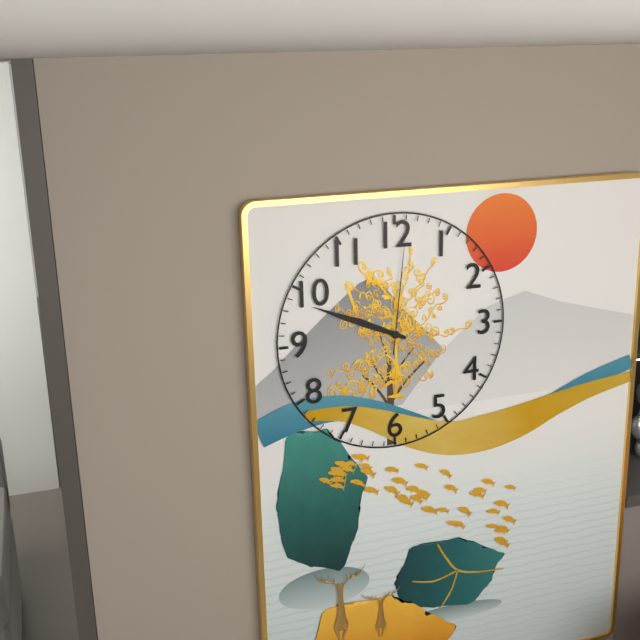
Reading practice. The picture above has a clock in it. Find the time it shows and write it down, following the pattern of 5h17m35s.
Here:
9h49m01s
